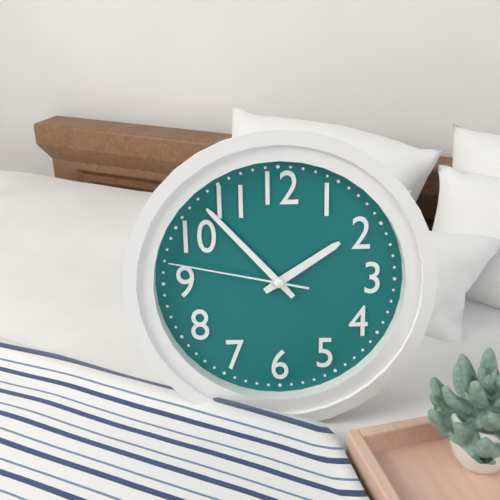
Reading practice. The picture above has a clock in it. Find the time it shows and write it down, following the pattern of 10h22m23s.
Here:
1h53m47s
